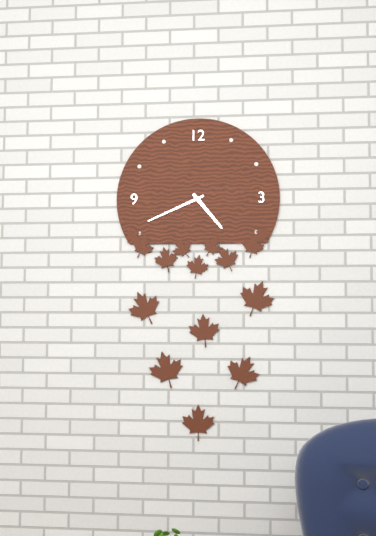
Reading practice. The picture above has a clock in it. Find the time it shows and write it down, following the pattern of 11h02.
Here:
4h41
